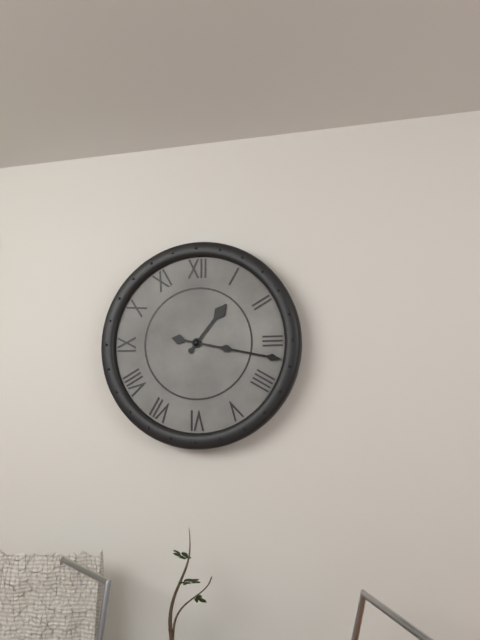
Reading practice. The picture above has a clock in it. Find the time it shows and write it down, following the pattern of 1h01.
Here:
1h17
